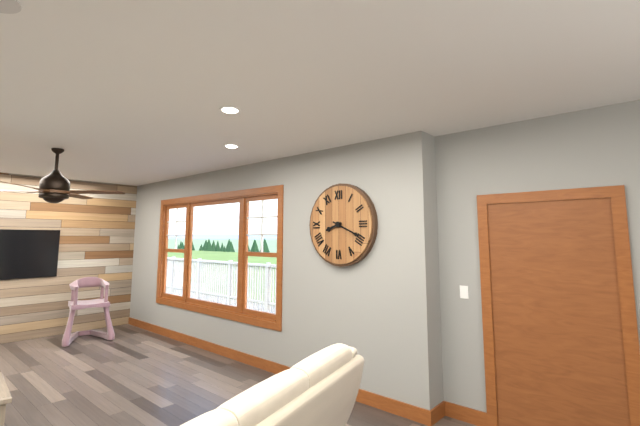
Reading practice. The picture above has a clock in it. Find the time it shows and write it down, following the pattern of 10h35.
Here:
8h19
